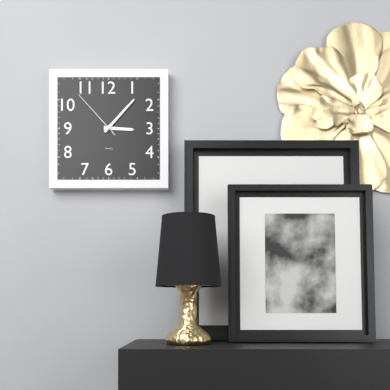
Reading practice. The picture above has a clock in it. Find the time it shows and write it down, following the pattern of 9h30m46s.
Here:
3h07m53s
